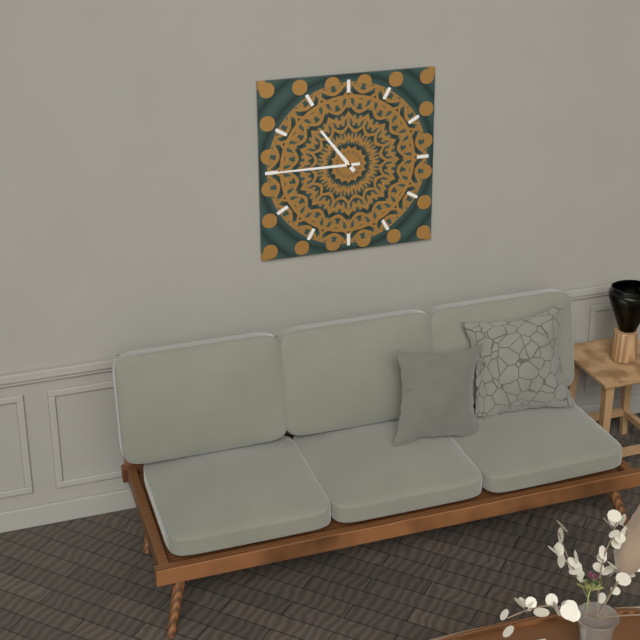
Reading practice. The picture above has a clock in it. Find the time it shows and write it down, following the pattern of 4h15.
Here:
10h45
